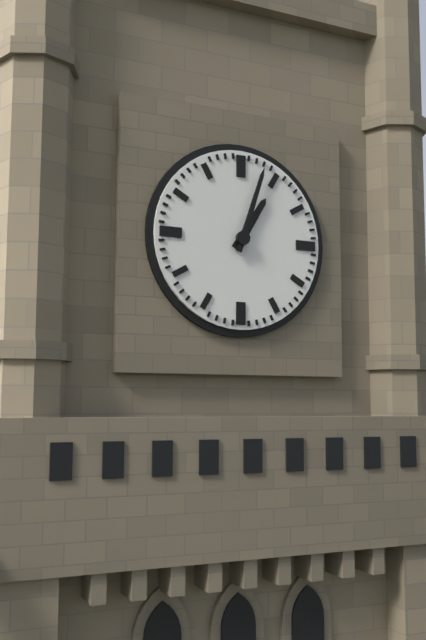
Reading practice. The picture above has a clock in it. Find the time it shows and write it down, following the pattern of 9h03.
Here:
1h03
